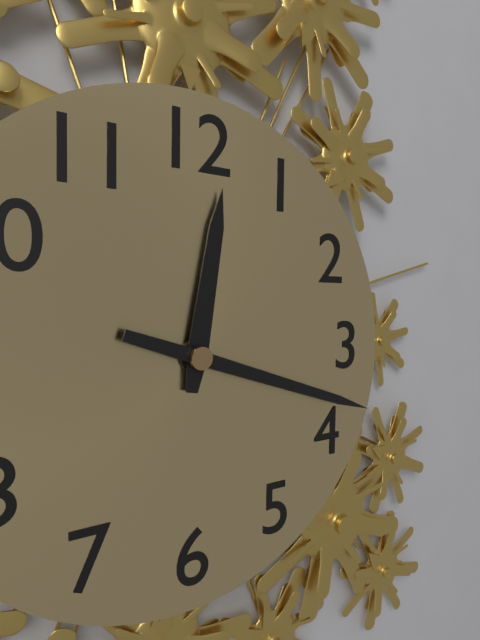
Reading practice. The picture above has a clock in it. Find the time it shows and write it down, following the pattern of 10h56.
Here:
12h18
